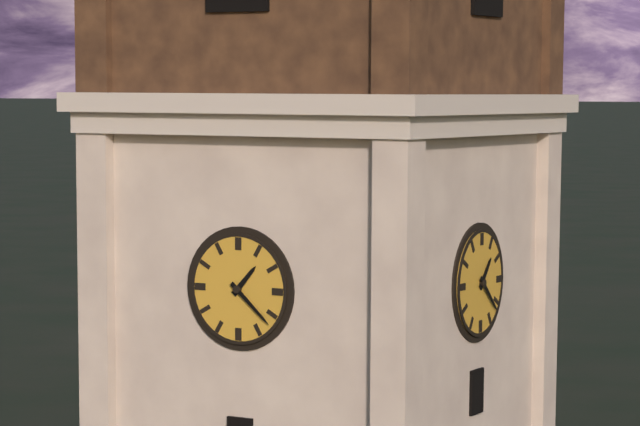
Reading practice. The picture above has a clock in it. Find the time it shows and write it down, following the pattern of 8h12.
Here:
1h22
